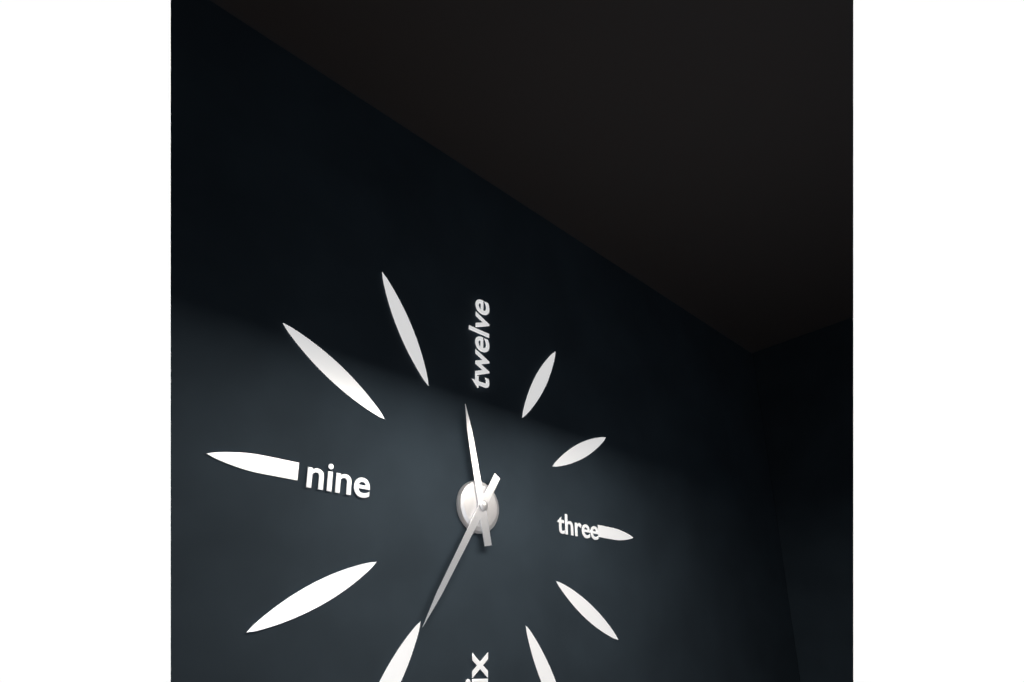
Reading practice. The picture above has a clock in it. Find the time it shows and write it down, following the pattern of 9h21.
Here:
11h35
